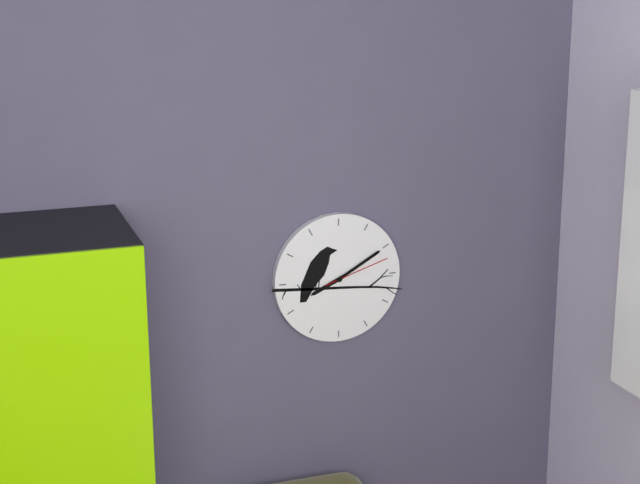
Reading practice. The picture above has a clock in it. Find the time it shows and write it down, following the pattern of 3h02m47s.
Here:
8h10m12s
